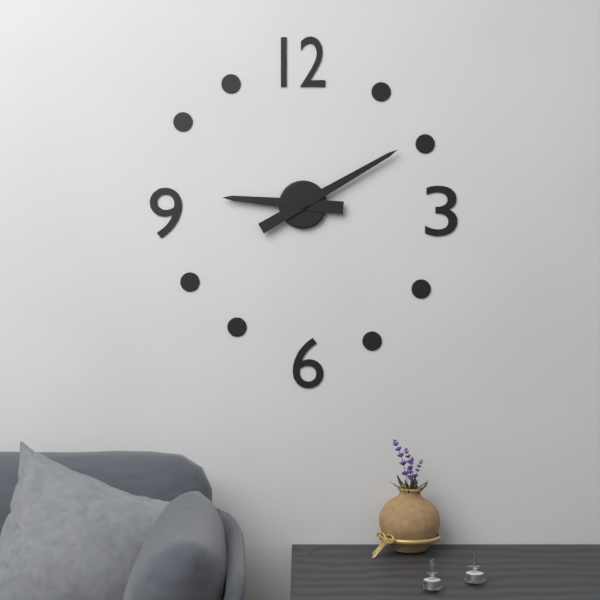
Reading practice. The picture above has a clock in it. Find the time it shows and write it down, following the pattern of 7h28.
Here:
9h10
